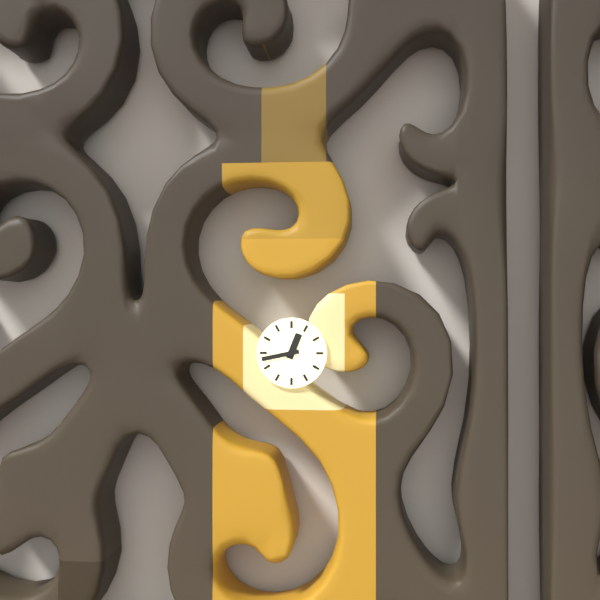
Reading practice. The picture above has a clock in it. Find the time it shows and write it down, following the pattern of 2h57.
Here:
12h43
